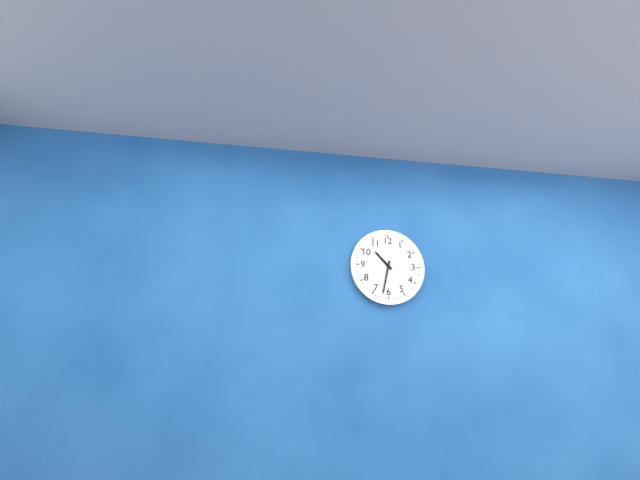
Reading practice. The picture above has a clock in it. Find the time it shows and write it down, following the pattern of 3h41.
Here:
10h32
